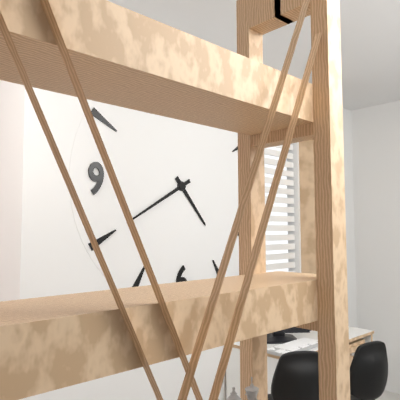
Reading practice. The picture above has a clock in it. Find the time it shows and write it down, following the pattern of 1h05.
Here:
4h40
